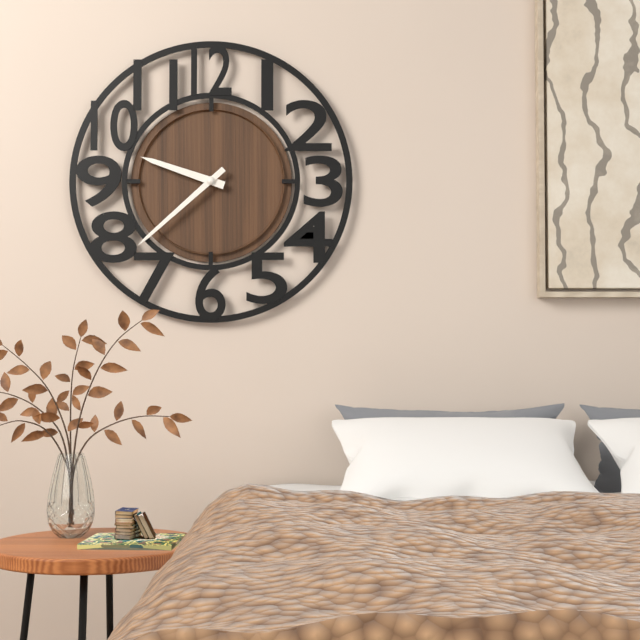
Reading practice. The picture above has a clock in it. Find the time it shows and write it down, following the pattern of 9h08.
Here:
9h38
